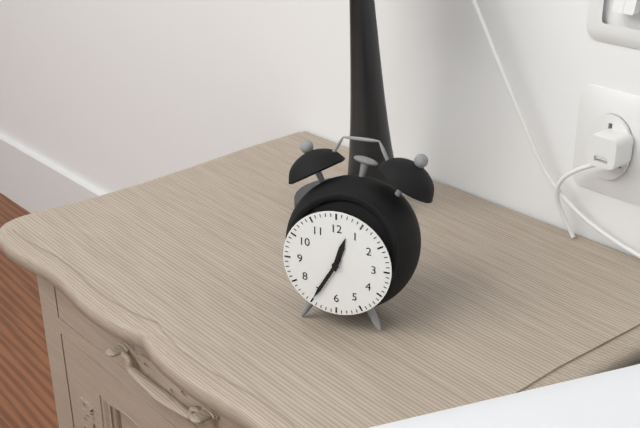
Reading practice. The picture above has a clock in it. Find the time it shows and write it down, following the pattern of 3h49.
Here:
12h35
